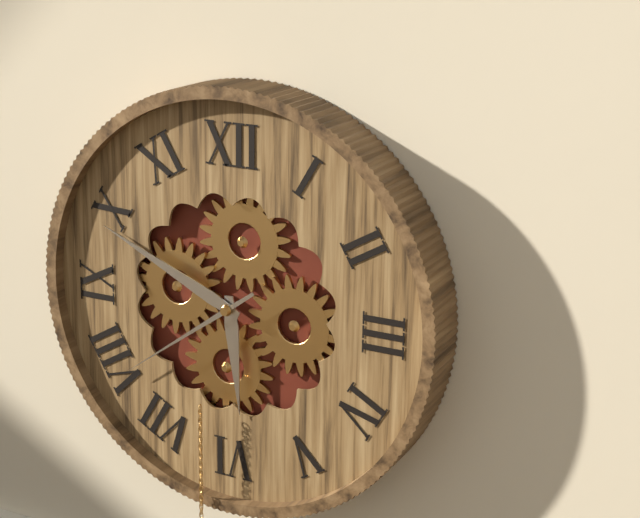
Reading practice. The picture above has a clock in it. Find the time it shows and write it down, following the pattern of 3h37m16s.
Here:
5h49m39s
